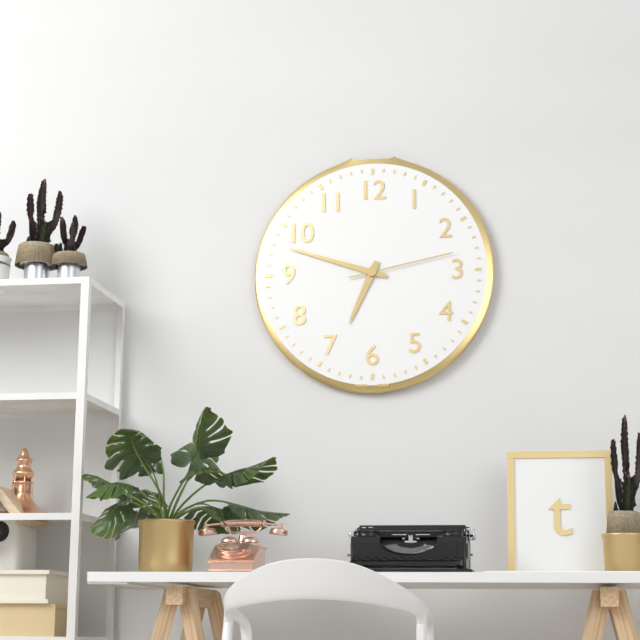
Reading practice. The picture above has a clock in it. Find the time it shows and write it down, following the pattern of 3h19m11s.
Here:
6h48m13s
